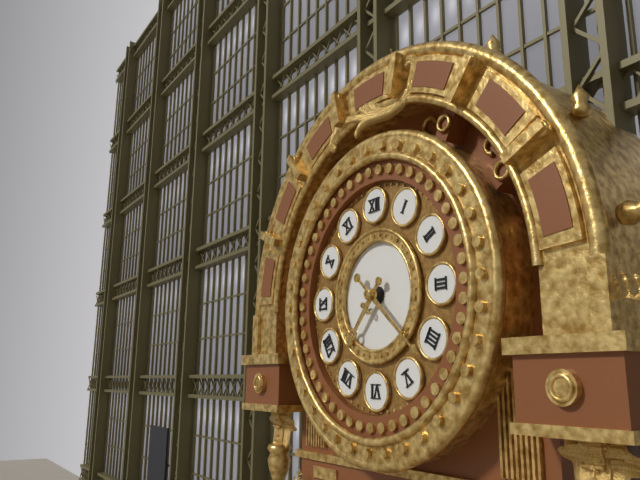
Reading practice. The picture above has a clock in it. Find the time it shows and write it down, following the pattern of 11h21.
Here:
7h22
